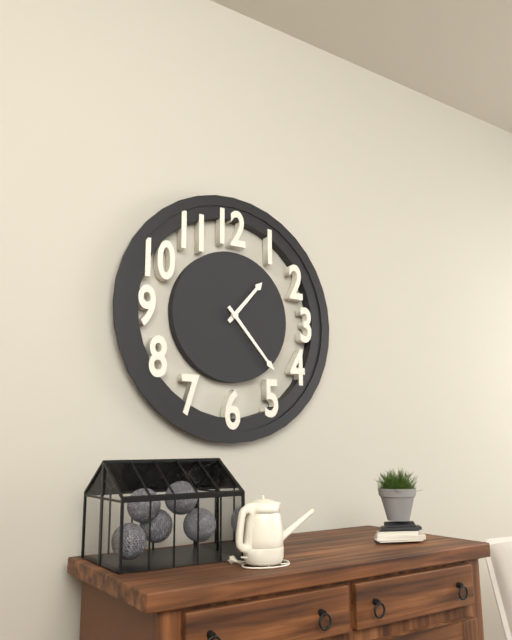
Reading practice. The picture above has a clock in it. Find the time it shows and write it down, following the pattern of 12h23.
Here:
1h23
